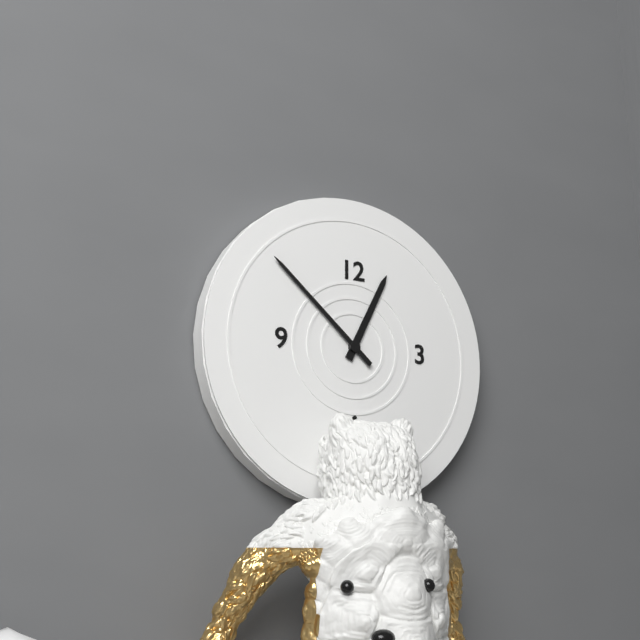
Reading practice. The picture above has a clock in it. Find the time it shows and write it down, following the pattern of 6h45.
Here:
12h52
